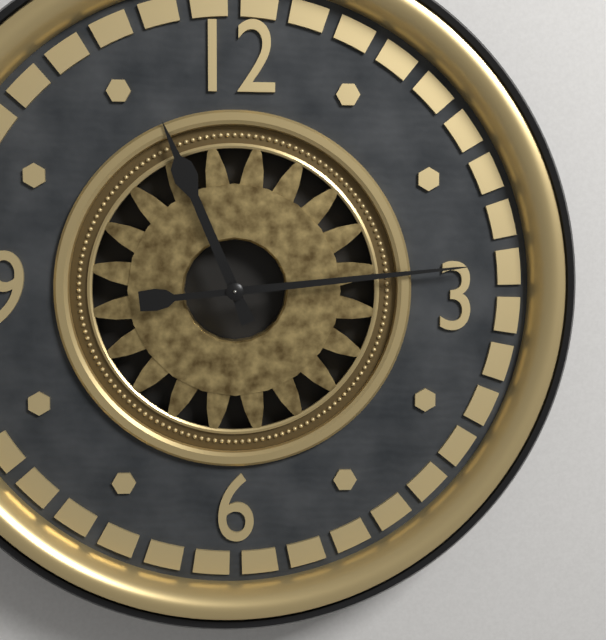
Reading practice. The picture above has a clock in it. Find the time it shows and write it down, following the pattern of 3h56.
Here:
11h14
